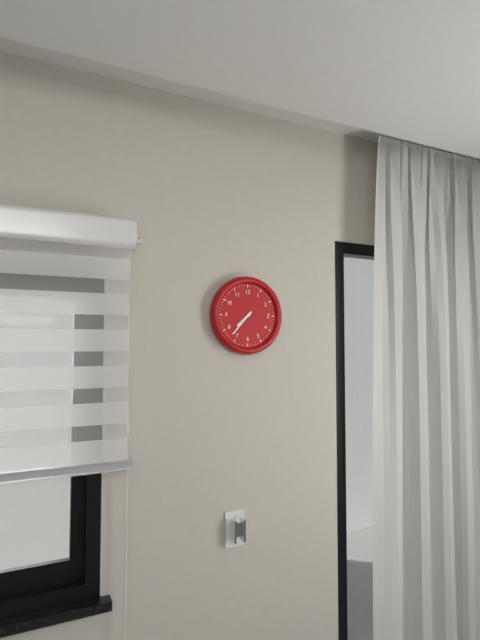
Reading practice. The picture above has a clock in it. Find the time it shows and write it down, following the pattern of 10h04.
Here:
7h37
